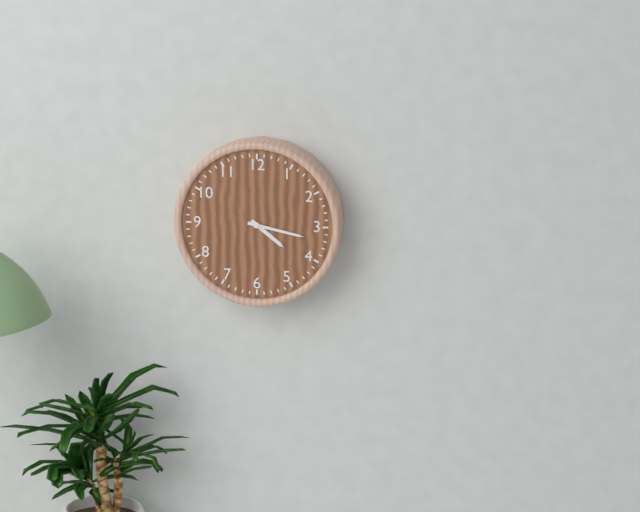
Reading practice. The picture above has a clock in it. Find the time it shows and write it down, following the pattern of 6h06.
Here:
4h17
